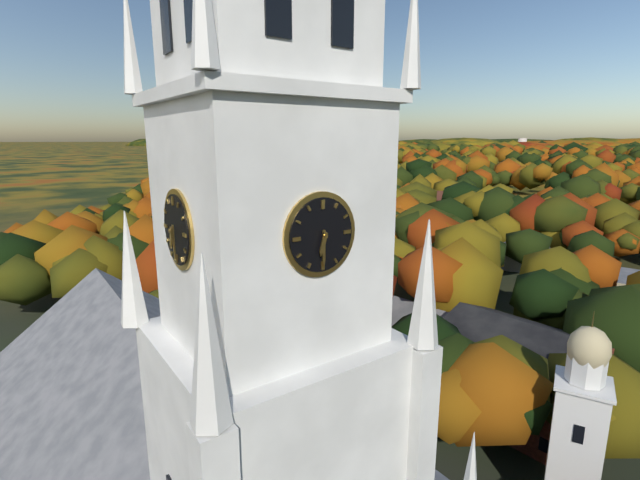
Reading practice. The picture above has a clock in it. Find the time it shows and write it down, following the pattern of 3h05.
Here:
6h30
